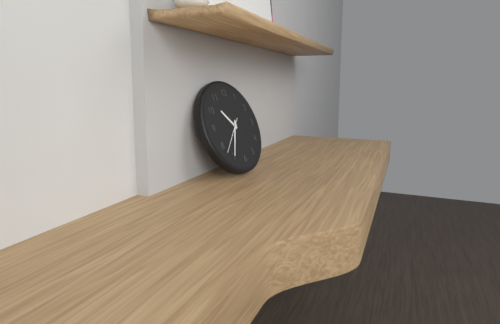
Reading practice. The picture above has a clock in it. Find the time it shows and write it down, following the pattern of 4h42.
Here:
10h35
